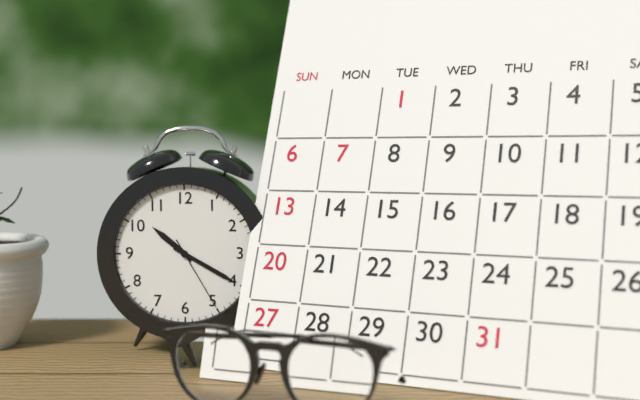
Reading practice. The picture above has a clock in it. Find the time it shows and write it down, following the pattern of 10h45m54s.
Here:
10h20m25s
